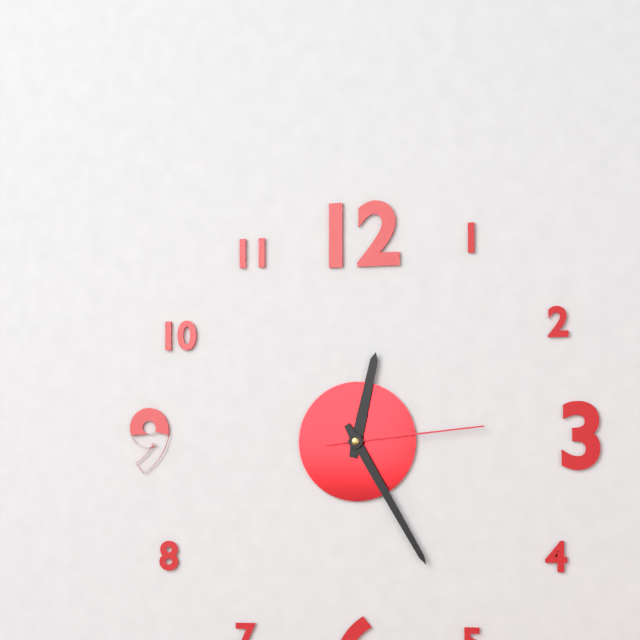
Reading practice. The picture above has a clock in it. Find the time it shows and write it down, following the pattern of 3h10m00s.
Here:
12h25m14s
